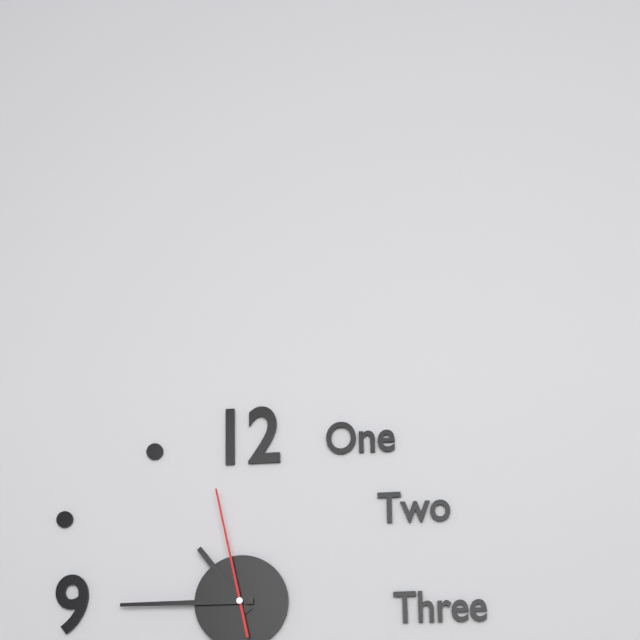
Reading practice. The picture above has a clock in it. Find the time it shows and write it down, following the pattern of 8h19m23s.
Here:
10h45m58s
